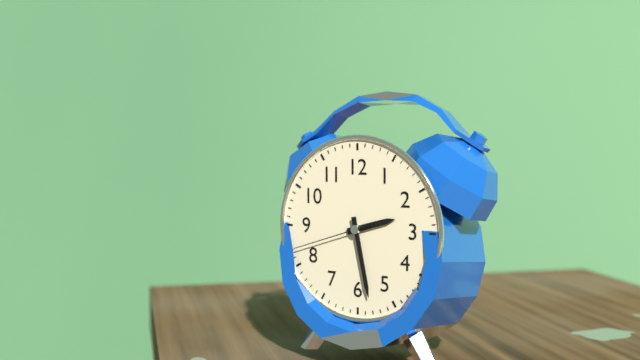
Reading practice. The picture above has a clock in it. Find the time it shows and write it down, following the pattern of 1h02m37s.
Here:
2h28m42s
